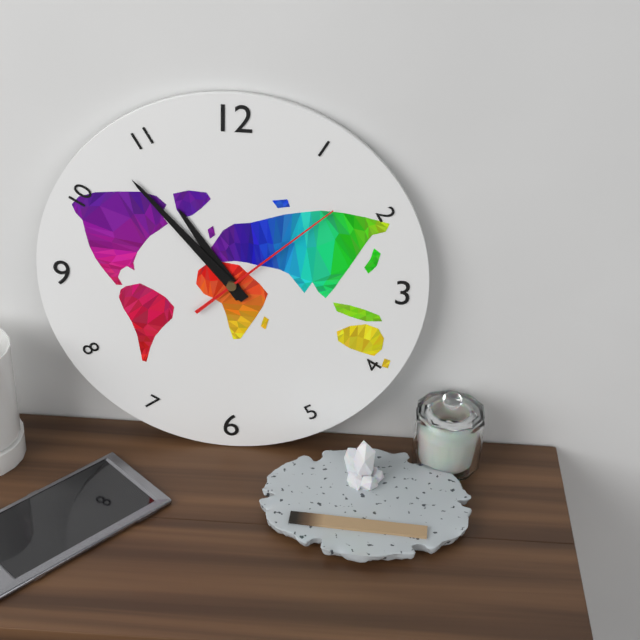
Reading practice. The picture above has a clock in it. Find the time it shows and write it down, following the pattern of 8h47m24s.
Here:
10h53m08s
